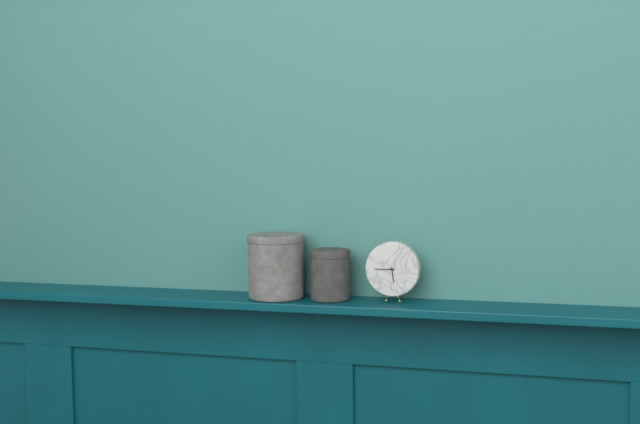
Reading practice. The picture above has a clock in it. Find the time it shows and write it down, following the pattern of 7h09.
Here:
5h45
